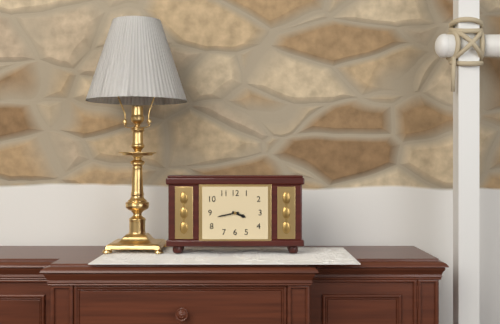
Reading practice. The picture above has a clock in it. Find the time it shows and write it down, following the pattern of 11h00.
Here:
3h43
